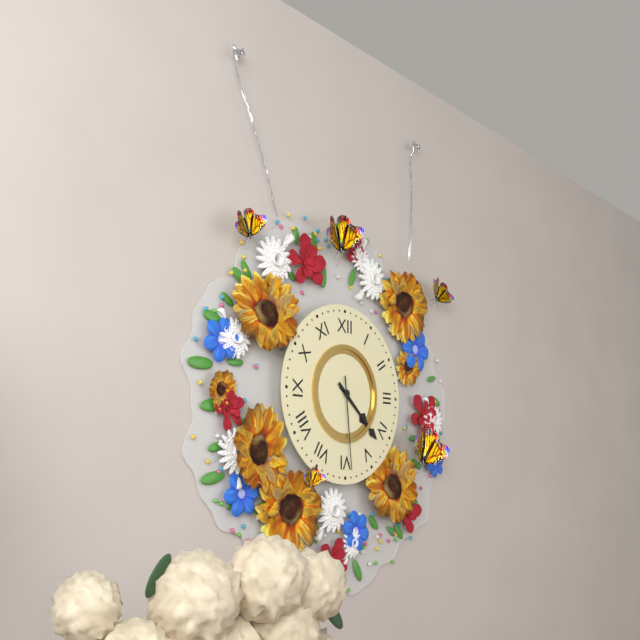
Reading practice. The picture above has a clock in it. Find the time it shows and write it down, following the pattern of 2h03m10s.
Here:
4h22m29s
